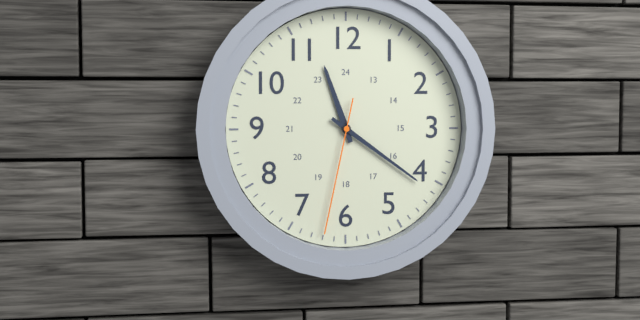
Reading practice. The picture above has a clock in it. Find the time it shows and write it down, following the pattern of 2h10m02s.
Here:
11h21m32s
